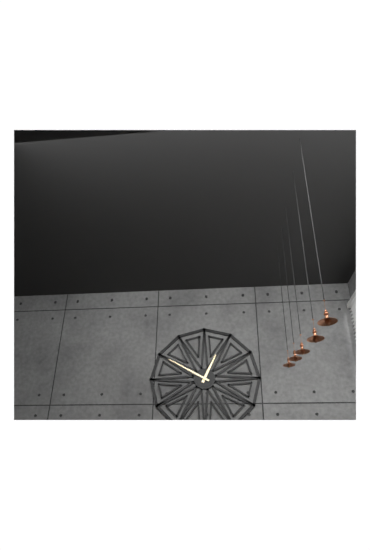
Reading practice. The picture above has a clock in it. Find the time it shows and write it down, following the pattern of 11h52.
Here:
12h50
